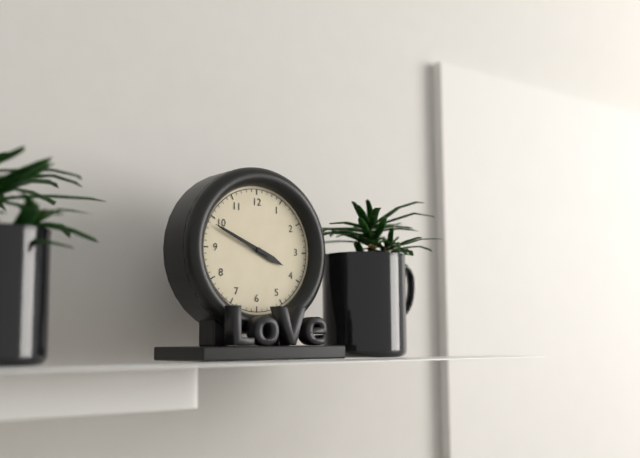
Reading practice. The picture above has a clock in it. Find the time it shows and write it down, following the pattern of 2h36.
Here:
3h49
